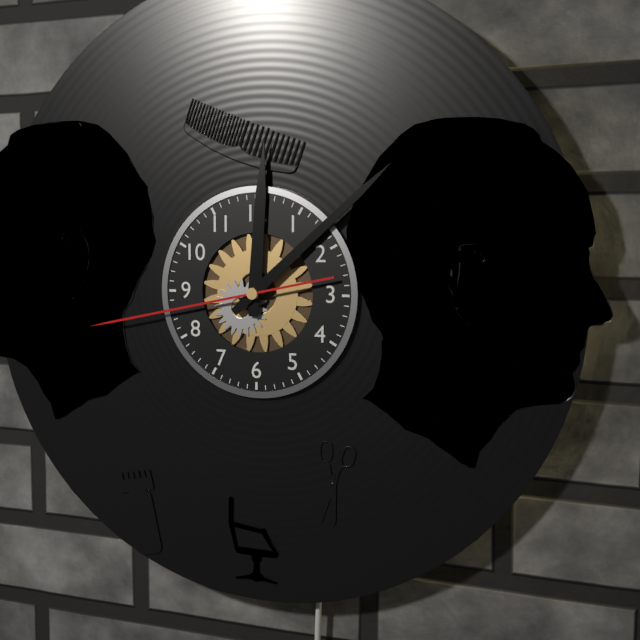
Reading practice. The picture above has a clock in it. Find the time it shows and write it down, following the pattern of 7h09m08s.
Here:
12h08m43s
